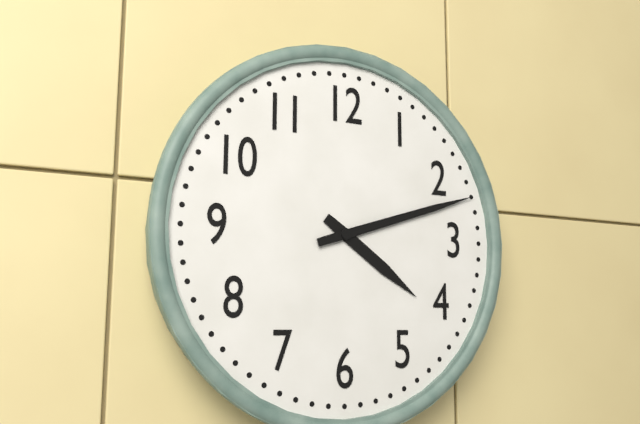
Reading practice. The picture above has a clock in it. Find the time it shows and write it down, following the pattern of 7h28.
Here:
4h12
